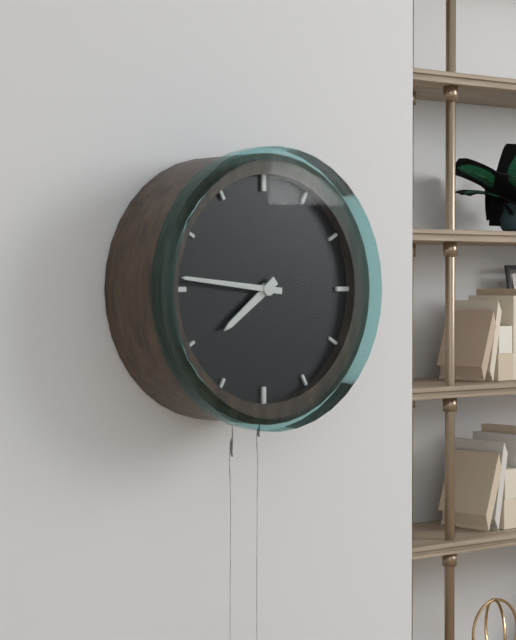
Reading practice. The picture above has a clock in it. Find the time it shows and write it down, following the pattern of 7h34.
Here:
7h46
